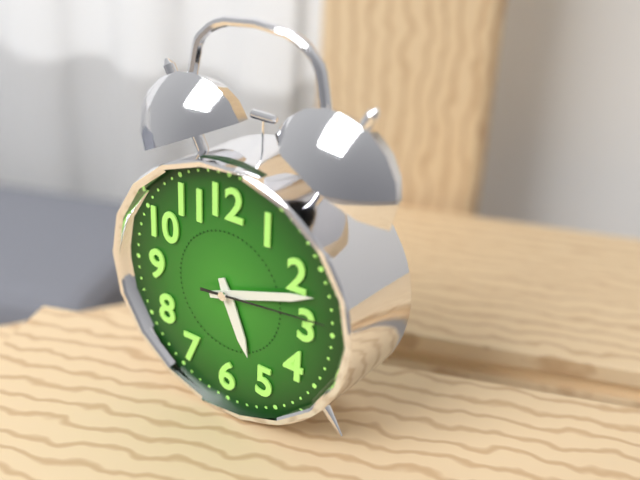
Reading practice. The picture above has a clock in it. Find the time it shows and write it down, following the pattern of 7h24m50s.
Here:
5h12m14s
